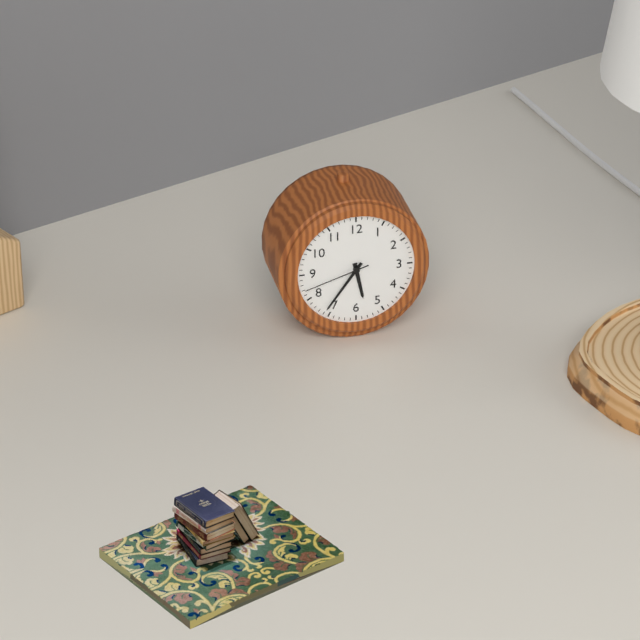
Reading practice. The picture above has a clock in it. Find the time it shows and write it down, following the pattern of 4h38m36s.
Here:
5h36m42s
